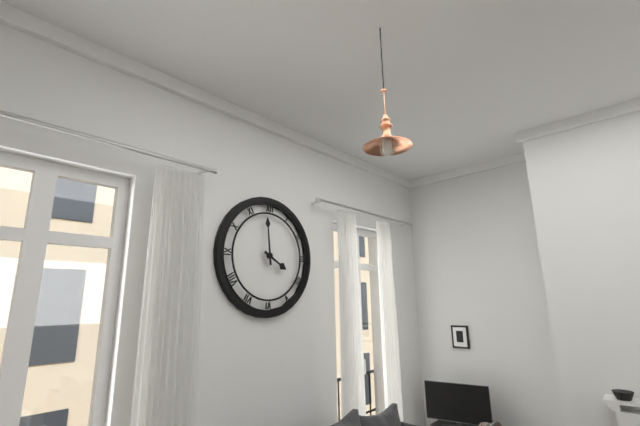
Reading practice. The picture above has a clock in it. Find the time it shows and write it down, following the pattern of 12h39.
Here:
3h59
